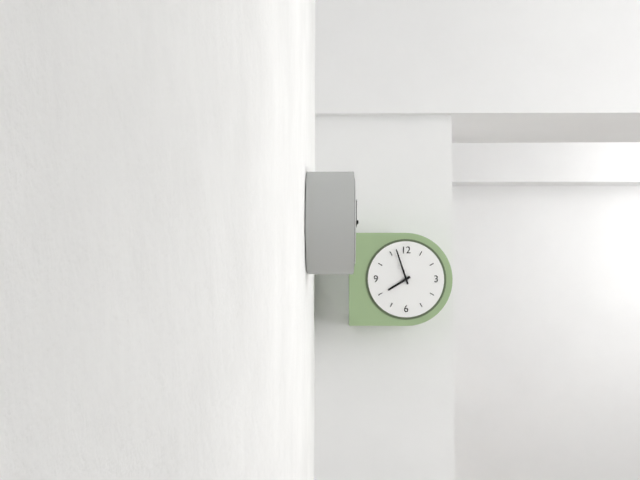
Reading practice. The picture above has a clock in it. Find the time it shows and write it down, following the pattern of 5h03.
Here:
7h57
